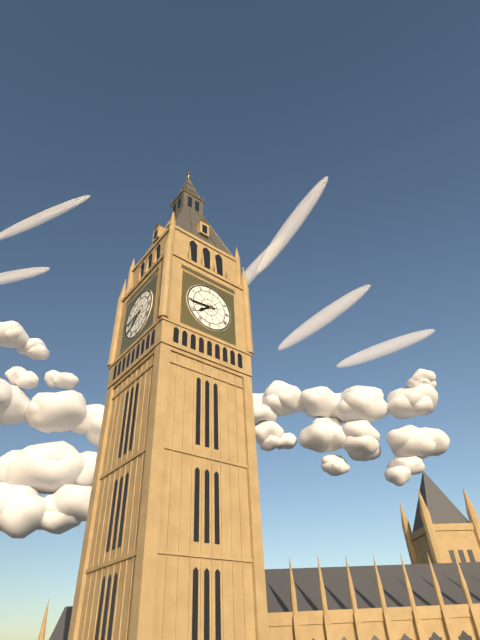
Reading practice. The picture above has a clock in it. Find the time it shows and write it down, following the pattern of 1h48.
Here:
7h44
